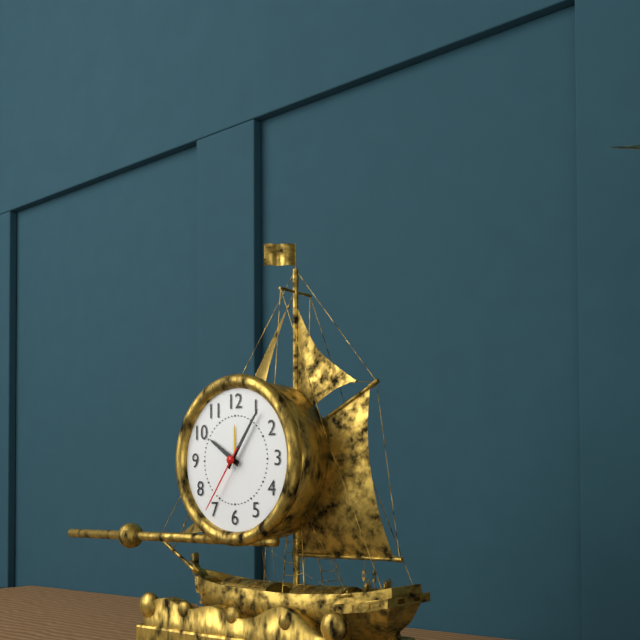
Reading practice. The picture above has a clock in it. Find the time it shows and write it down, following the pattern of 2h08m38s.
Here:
10h06m36s
